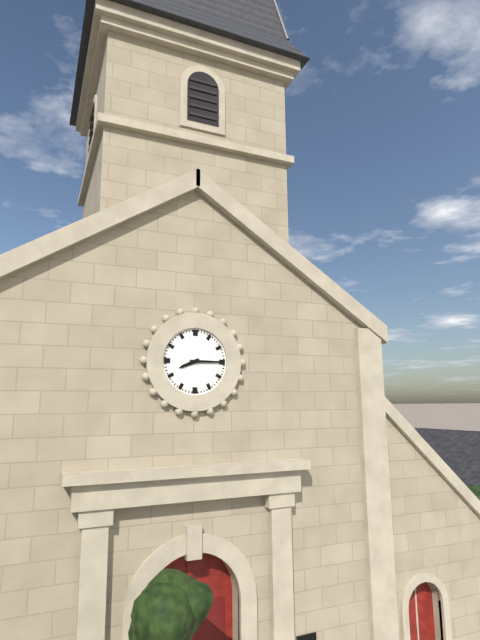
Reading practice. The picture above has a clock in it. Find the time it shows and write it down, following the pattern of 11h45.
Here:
8h15
